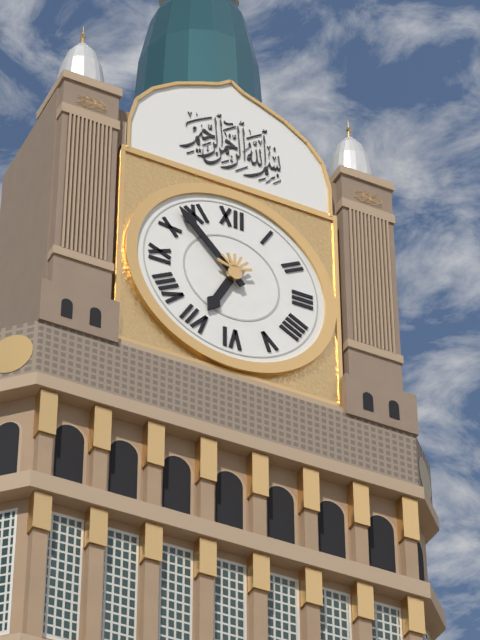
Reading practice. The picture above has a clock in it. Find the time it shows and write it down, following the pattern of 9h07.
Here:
6h53
